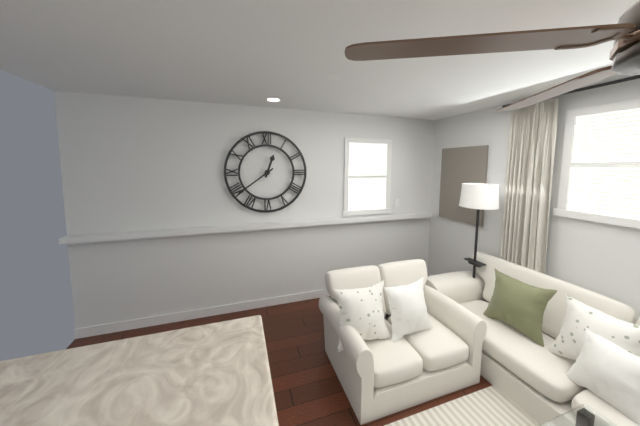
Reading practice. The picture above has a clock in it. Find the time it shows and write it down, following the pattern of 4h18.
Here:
12h39
